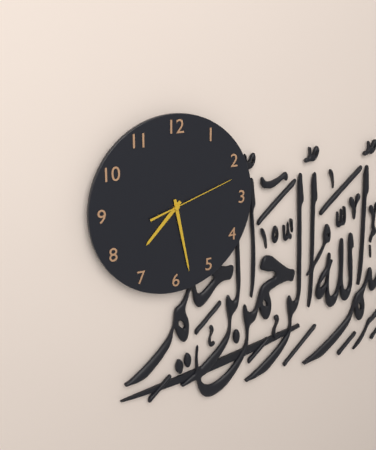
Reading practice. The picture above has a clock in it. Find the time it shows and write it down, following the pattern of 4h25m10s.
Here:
7h28m12s
